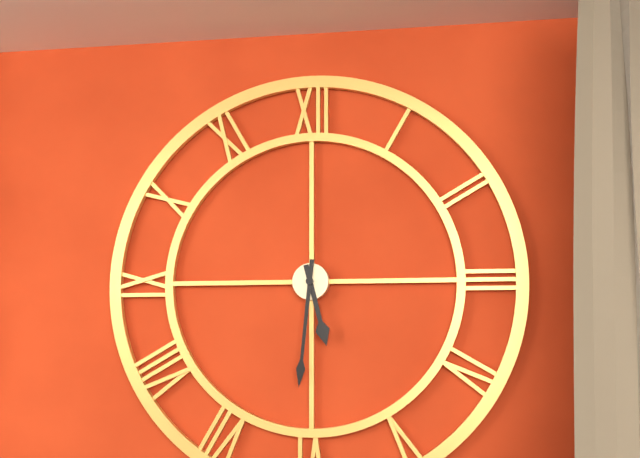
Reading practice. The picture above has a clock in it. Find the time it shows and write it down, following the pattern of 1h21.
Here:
5h31
